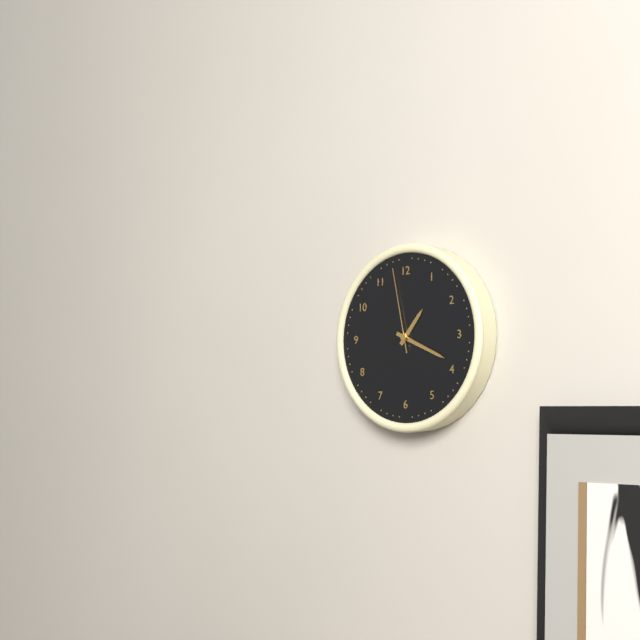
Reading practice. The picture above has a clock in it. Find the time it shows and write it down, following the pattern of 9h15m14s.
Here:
1h19m58s
